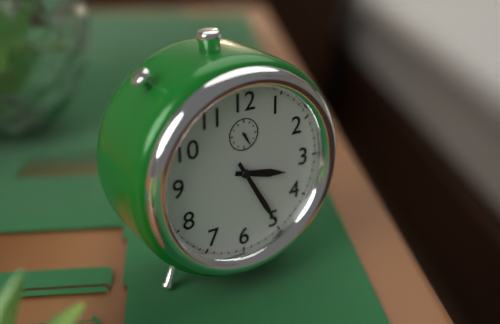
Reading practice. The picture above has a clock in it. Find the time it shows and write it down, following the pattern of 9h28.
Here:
3h25
